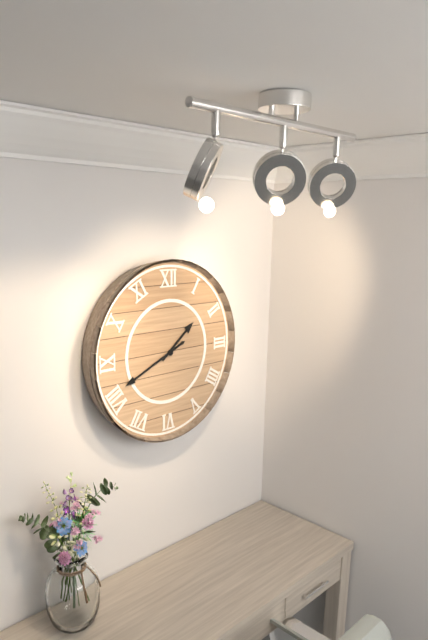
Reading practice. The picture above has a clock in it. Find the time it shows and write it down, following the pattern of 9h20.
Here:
1h41
